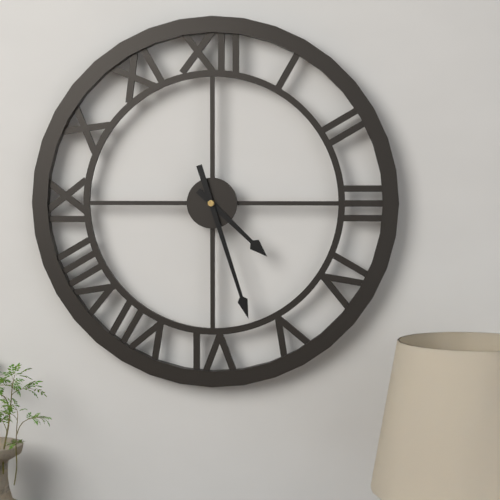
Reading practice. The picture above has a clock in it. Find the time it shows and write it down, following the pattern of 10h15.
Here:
4h27
